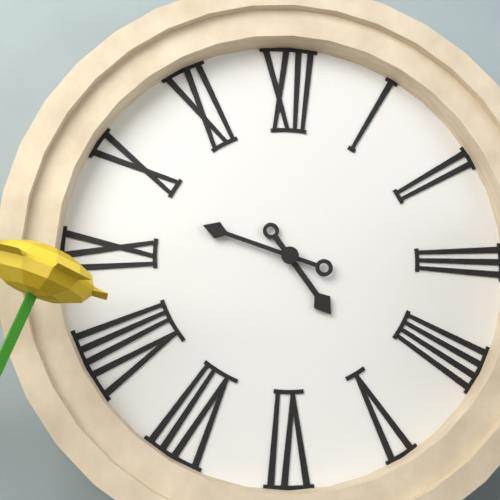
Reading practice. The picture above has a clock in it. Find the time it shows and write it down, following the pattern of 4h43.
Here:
4h48
